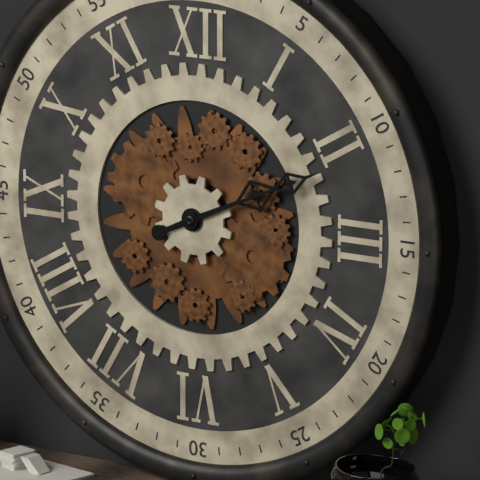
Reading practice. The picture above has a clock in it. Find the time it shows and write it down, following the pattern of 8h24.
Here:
2h11
